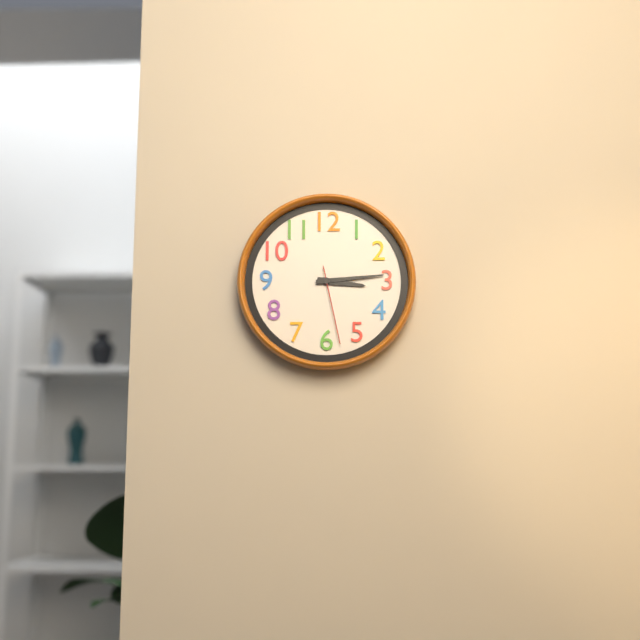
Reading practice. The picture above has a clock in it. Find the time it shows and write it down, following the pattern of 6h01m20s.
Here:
3h14m28s
